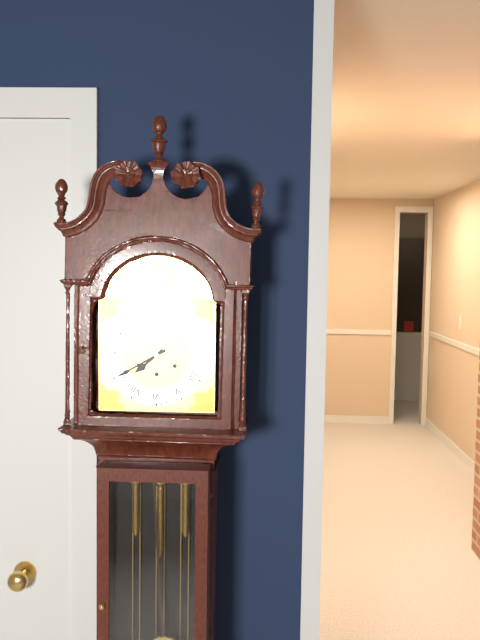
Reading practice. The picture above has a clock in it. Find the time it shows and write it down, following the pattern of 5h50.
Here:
7h40
